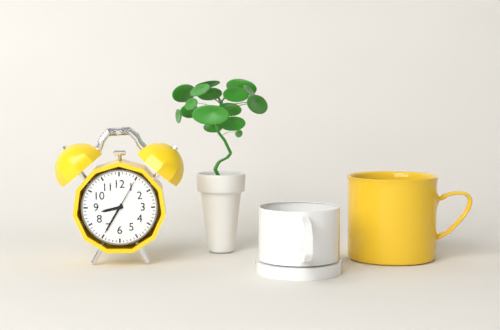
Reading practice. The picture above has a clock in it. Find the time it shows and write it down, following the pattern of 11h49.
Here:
8h35
